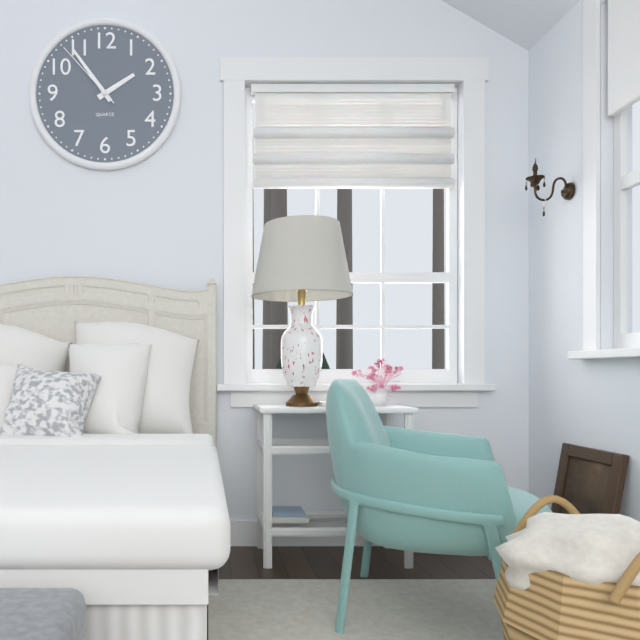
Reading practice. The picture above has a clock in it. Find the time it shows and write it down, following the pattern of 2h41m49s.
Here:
1h54m53s
